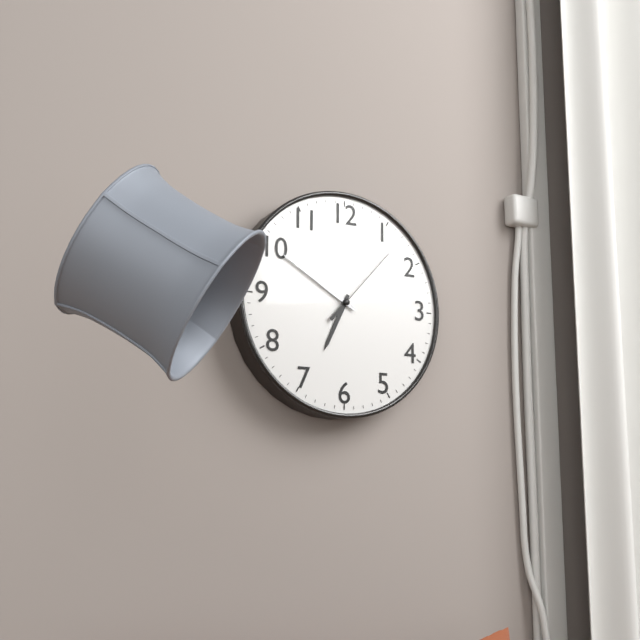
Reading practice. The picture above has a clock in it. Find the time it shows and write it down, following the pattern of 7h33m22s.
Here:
6h50m07s
